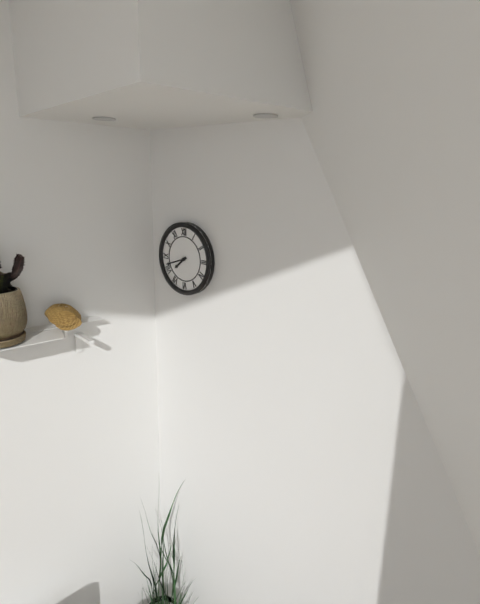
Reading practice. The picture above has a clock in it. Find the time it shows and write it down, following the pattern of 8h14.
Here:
7h42
